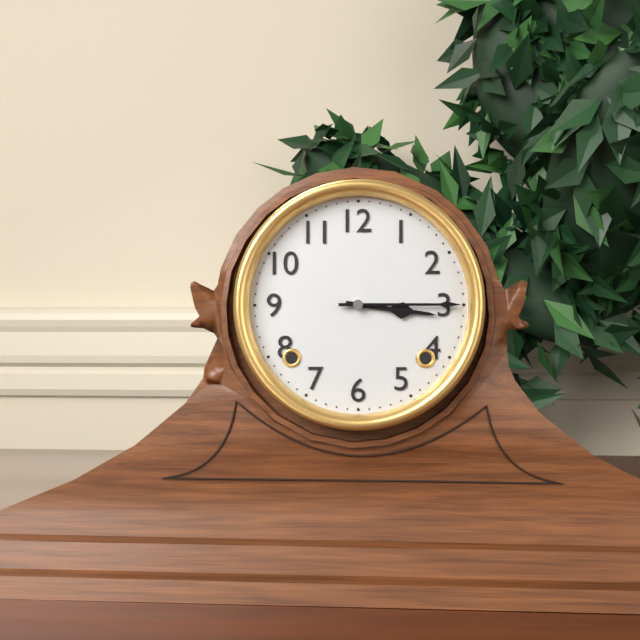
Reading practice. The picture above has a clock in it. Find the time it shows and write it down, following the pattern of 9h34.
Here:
3h15
